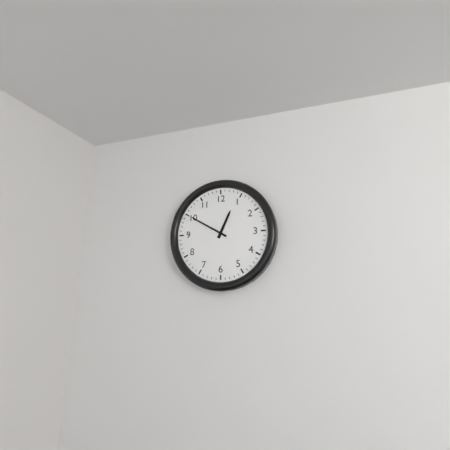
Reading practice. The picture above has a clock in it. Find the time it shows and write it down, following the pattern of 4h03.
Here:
12h50
